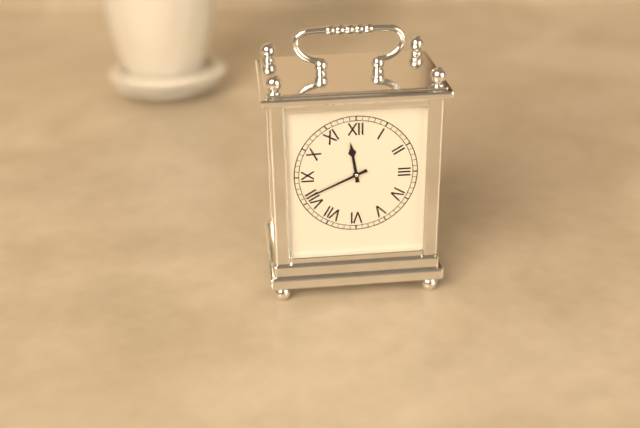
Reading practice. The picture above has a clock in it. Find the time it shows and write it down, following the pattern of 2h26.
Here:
11h41
